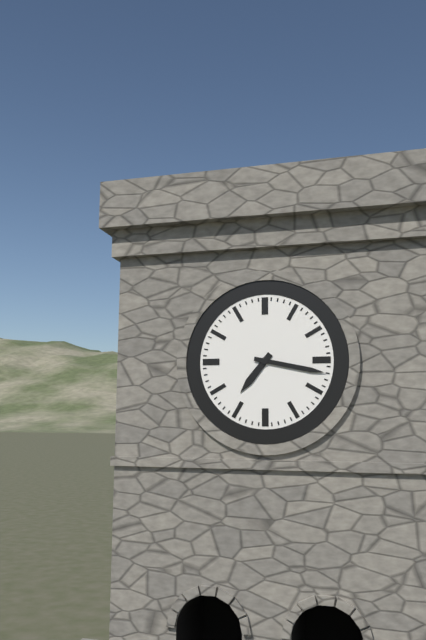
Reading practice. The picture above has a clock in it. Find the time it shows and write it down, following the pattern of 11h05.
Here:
7h17
